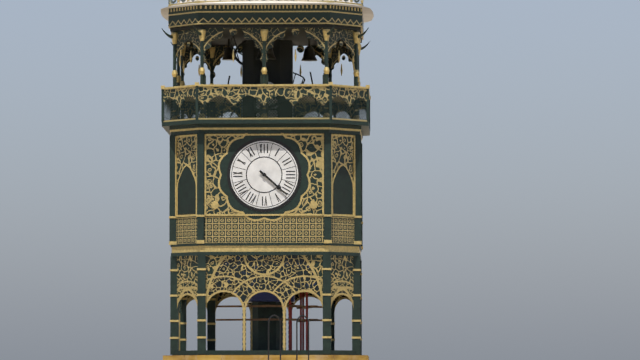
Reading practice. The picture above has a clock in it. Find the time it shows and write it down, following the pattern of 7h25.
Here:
4h22
